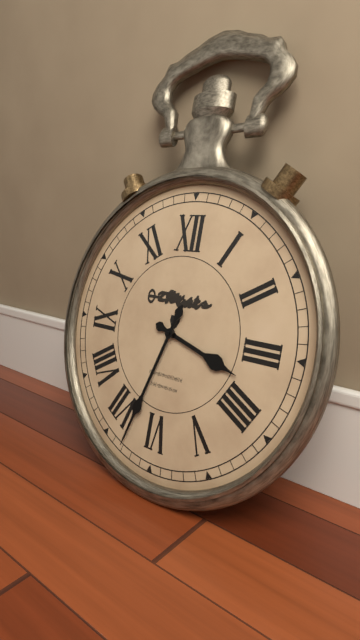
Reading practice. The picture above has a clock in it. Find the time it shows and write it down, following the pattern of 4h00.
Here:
3h33
